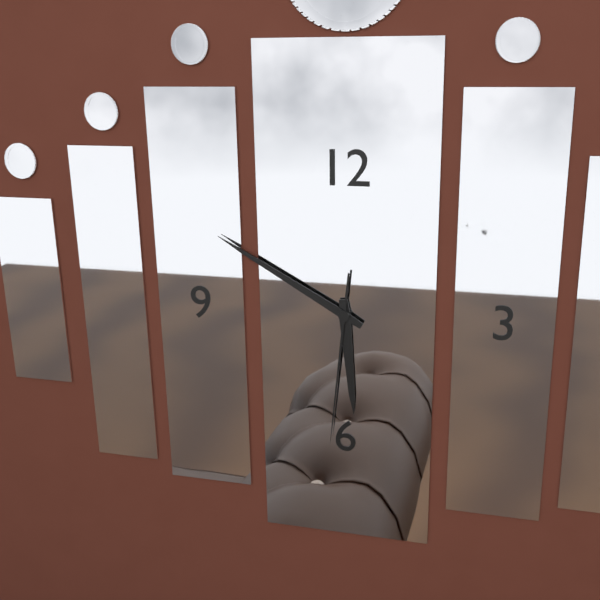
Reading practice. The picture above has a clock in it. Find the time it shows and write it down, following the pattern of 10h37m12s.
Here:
5h50m31s
